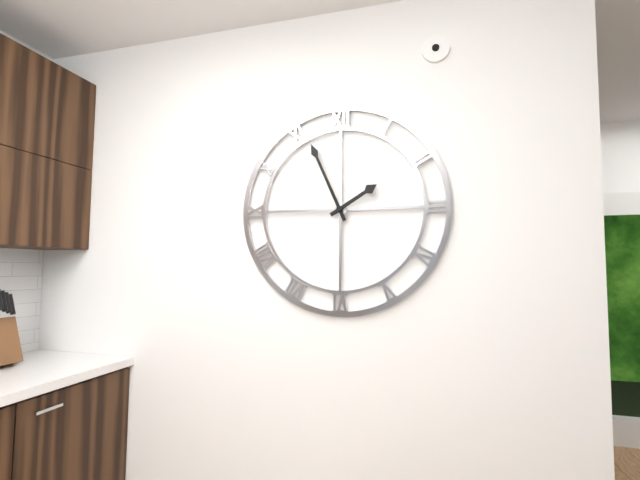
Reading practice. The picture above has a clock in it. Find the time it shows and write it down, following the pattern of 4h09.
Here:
1h56
